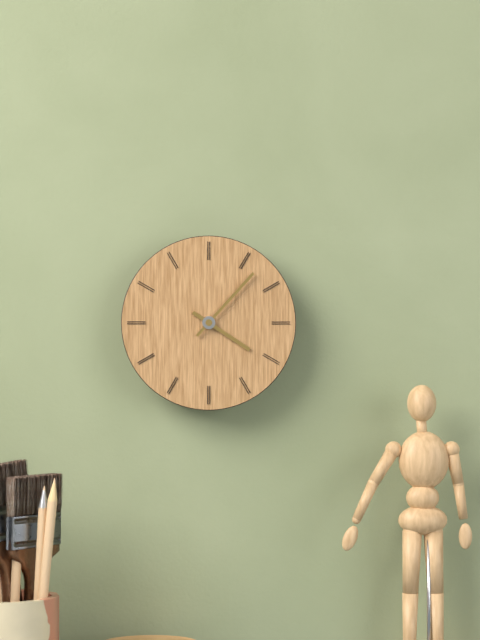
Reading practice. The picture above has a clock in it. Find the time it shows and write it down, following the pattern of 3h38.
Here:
4h07
